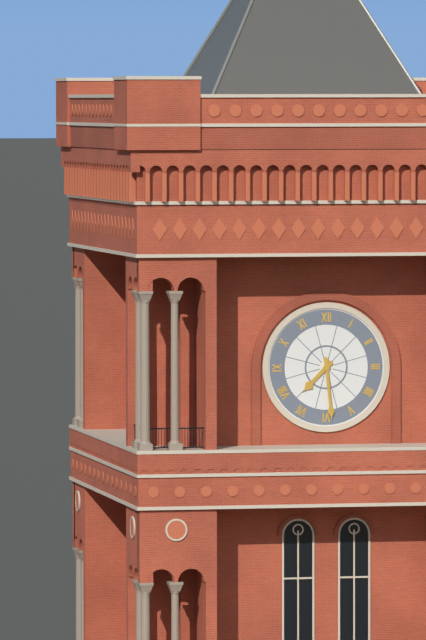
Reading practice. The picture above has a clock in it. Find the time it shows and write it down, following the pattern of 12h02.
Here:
7h29
